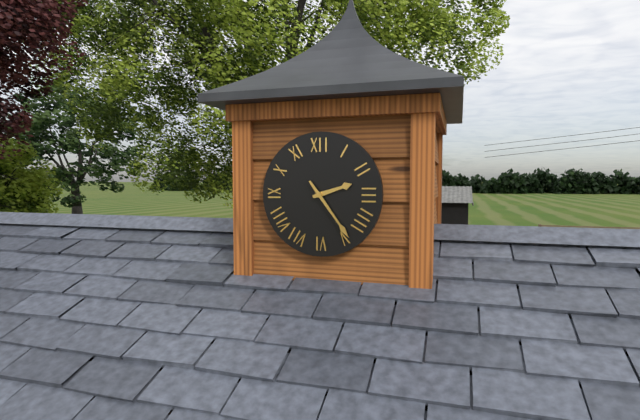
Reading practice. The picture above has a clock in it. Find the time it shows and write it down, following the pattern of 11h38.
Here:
2h24
